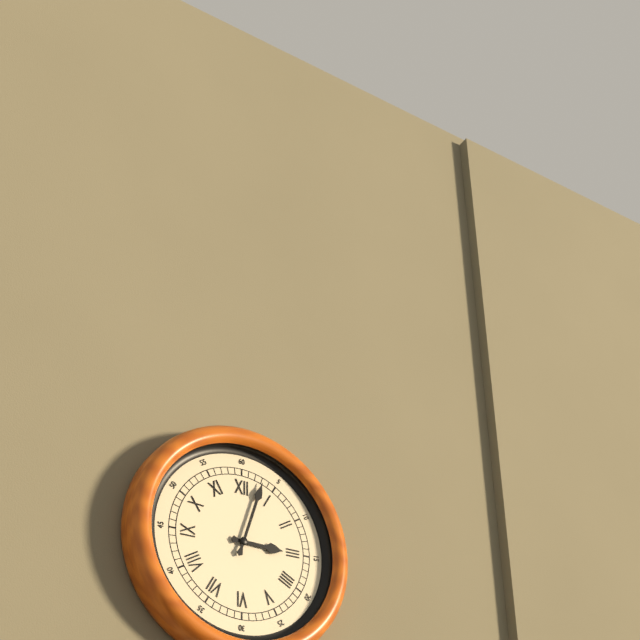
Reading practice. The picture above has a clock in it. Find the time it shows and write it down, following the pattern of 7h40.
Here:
3h03
